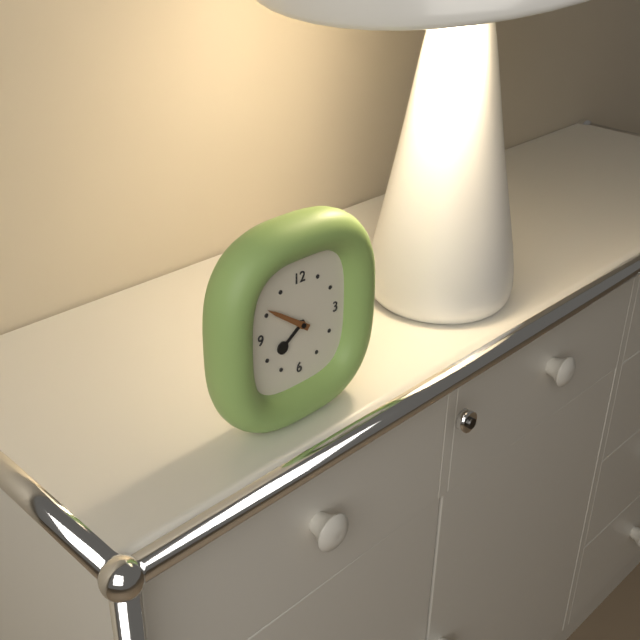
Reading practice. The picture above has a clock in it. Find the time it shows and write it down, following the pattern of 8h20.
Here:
7h51
